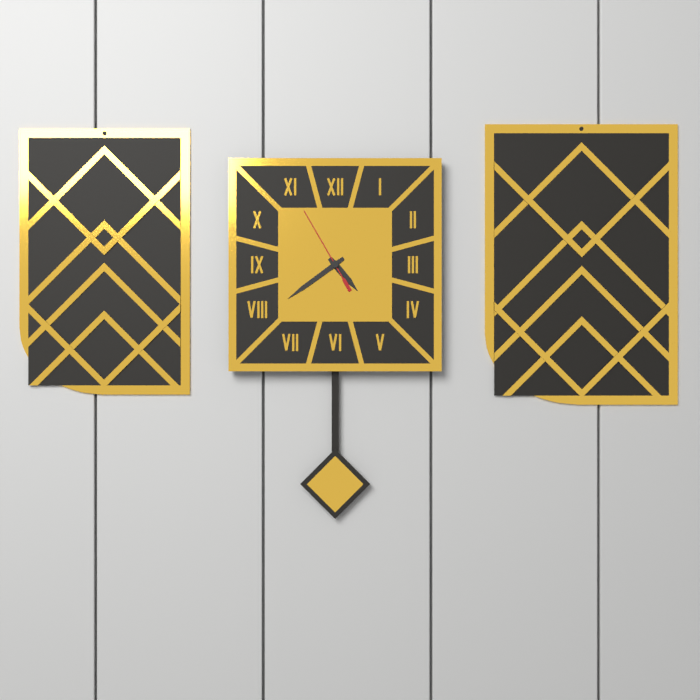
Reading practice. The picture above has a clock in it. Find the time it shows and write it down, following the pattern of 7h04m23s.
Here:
4h39m55s
